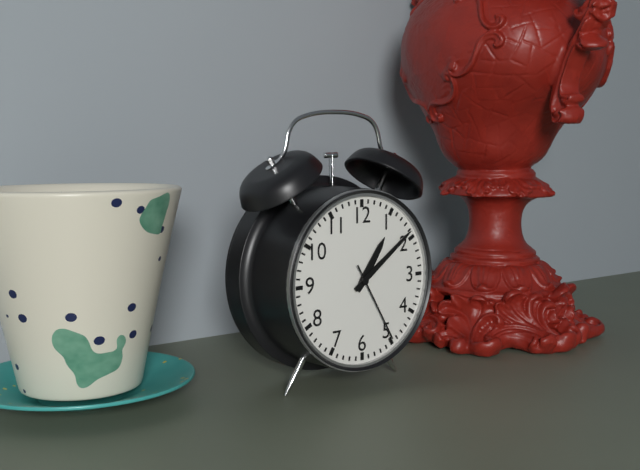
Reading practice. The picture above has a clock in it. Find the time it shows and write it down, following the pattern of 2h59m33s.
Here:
1h09m25s
